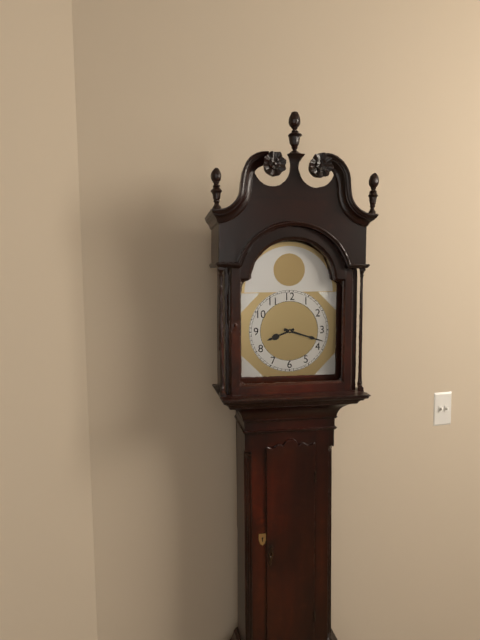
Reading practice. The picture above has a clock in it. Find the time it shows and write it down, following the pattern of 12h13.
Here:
8h18
